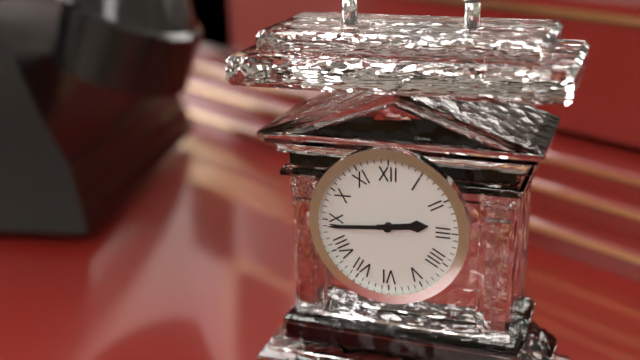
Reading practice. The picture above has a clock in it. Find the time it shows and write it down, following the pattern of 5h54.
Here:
2h44
